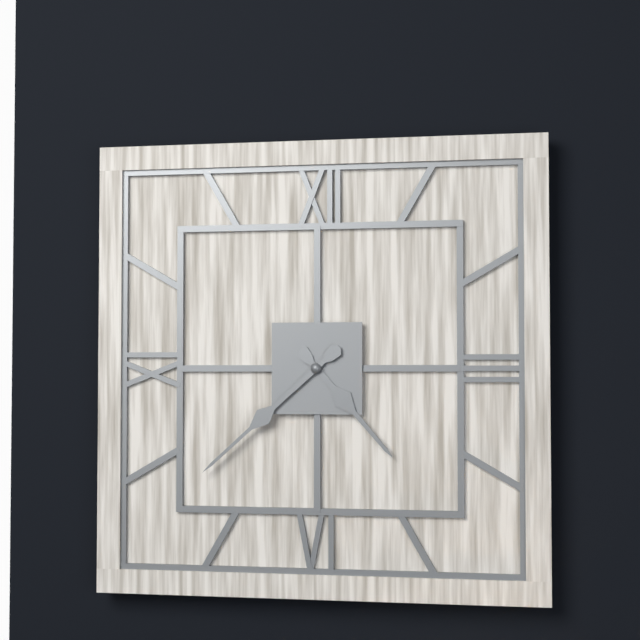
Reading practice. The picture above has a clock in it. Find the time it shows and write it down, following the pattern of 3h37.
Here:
4h38
